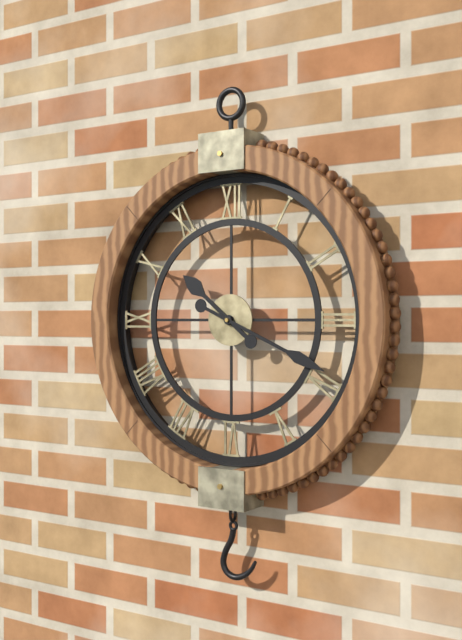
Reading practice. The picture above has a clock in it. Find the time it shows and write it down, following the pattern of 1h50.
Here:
10h19
